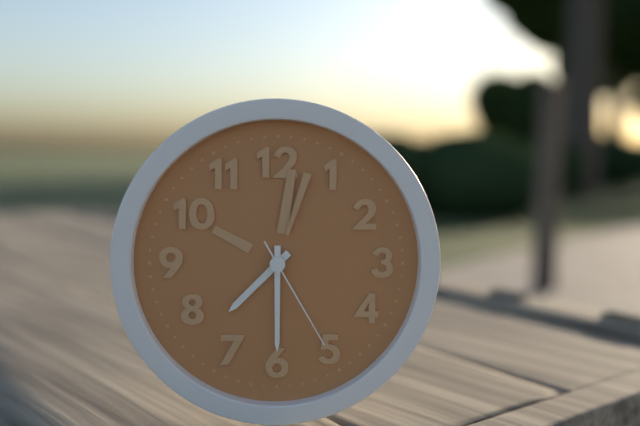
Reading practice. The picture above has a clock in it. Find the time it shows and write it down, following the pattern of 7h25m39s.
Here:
7h30m25s
